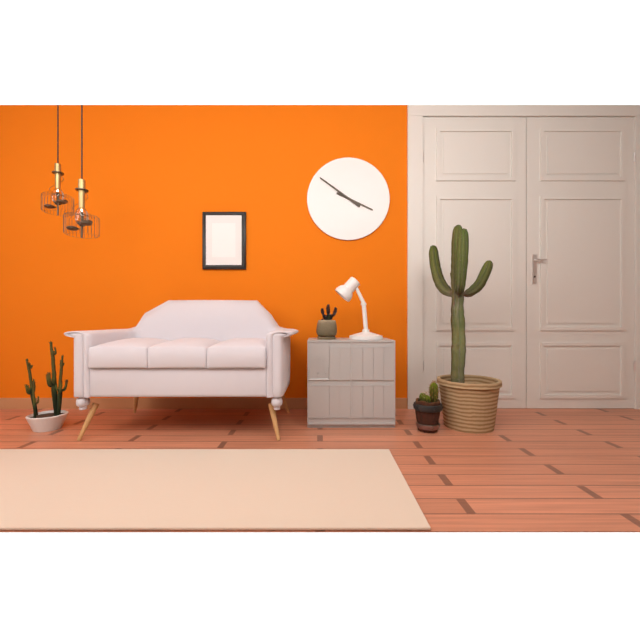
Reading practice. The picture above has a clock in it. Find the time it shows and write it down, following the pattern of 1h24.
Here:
3h51
